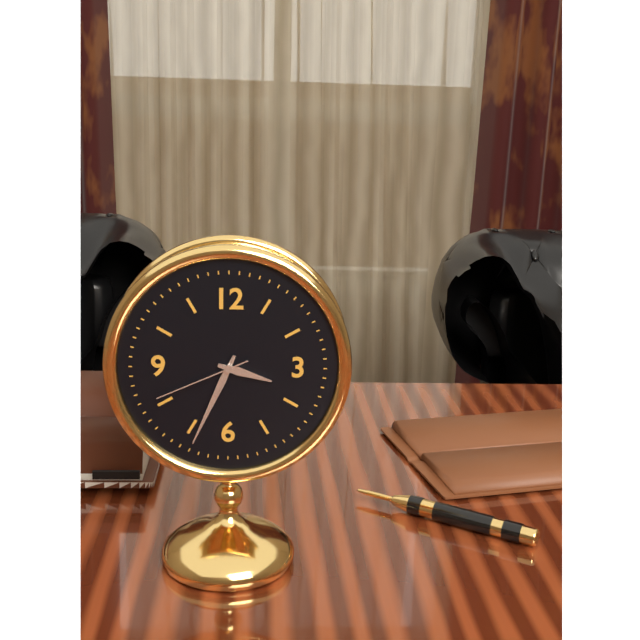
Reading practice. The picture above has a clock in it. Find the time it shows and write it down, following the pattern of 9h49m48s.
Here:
3h34m41s
